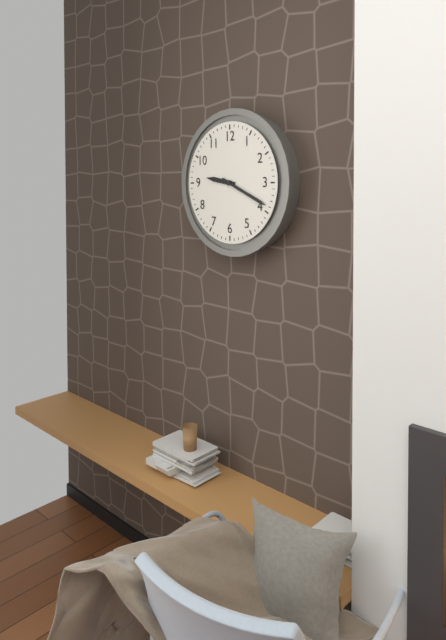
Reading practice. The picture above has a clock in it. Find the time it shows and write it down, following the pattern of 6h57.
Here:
9h19
